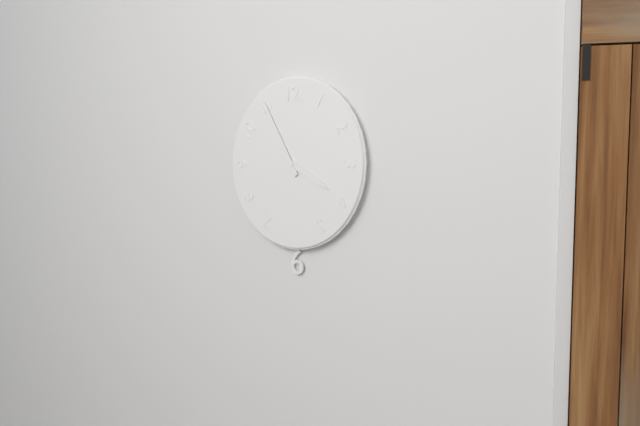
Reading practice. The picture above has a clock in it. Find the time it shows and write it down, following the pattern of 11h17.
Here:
3h55
